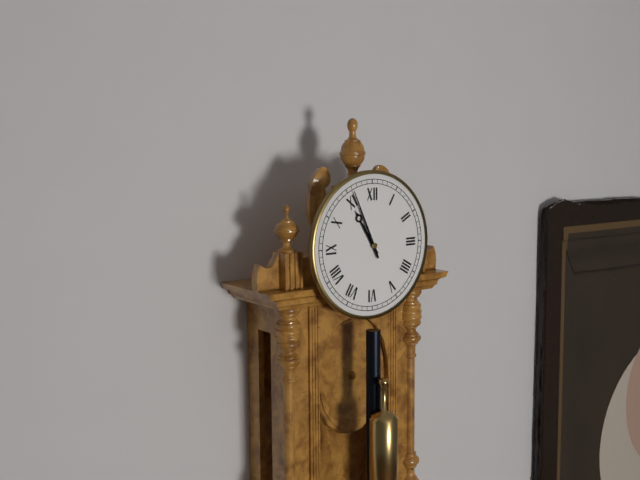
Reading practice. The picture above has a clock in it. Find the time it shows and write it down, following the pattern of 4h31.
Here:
10h56
